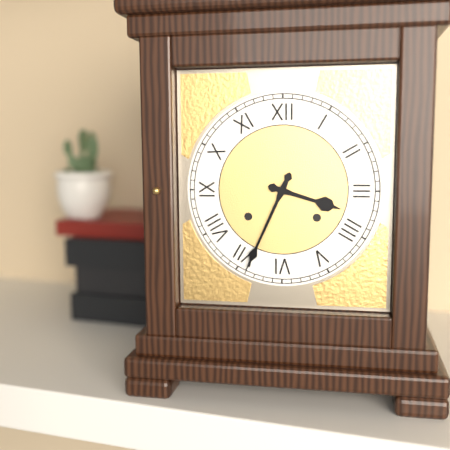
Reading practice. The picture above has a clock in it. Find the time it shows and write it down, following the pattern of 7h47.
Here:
3h34
